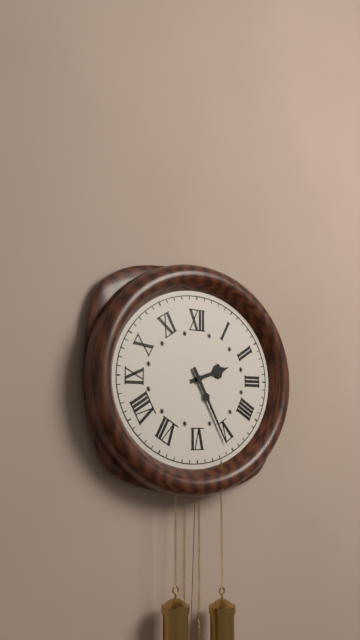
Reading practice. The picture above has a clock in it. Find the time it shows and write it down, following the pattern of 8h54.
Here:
2h25
